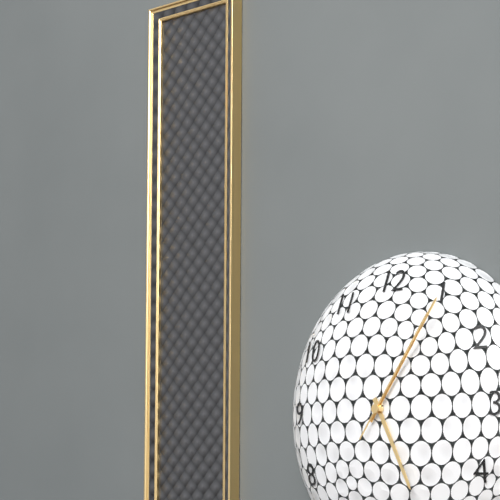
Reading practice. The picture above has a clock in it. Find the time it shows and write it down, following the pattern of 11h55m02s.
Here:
5h06m06s
